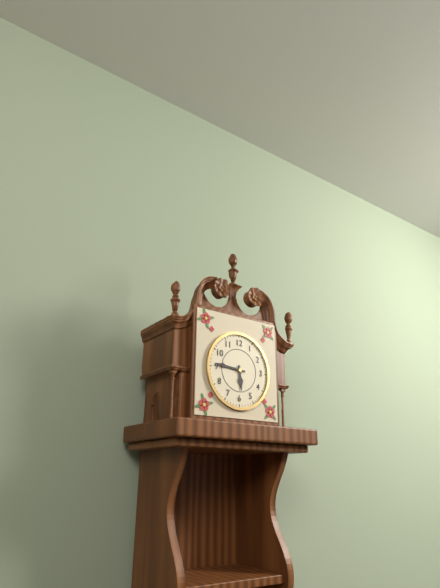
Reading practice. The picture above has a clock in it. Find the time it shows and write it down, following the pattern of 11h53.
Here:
5h46
